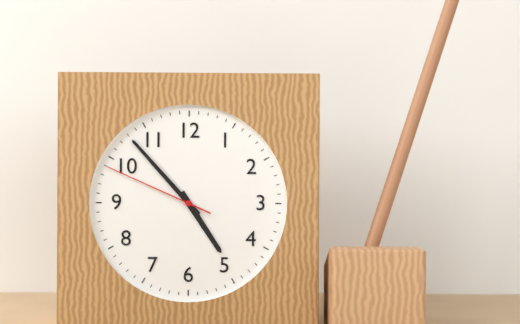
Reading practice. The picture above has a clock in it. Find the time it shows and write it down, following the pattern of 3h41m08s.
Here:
4h53m49s
